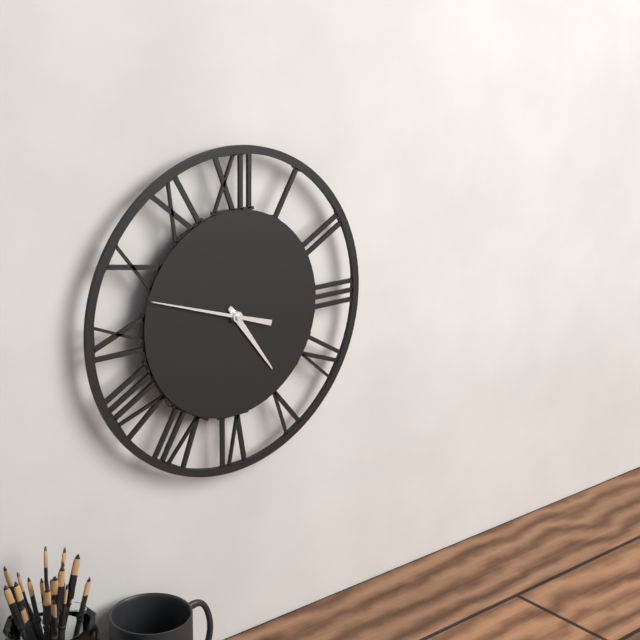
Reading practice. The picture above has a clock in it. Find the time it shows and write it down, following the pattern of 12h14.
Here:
4h48
